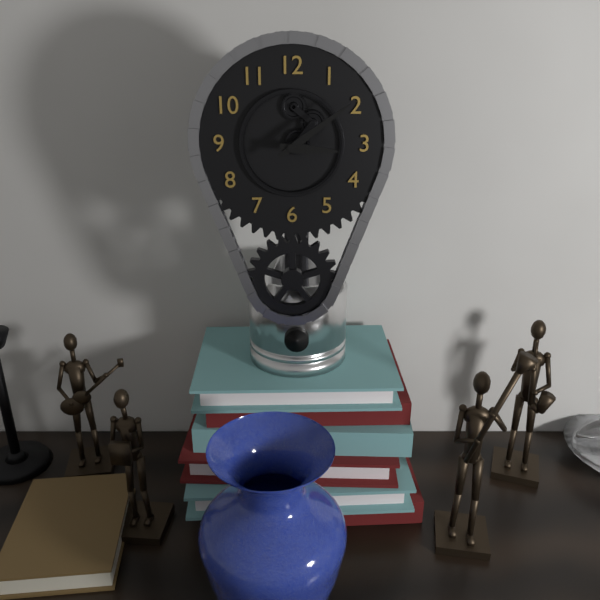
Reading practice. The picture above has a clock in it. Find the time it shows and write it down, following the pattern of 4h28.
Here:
3h09
